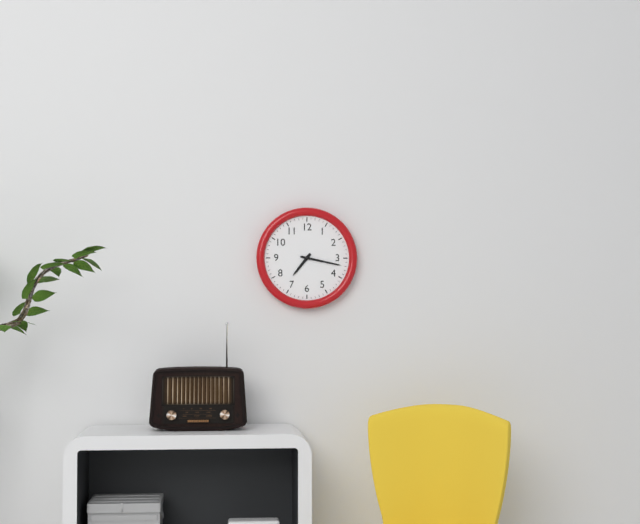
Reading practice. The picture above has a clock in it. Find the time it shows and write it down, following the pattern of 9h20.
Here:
7h17
